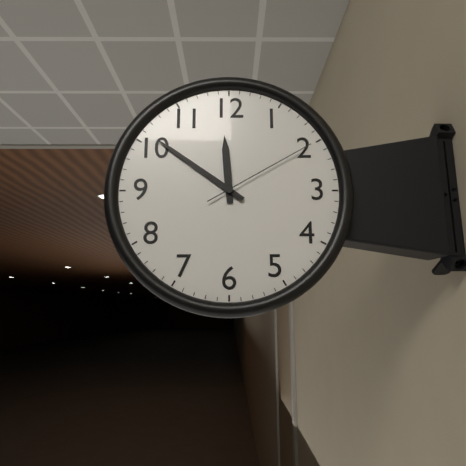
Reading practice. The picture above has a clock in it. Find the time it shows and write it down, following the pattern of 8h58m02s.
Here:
11h51m10s
